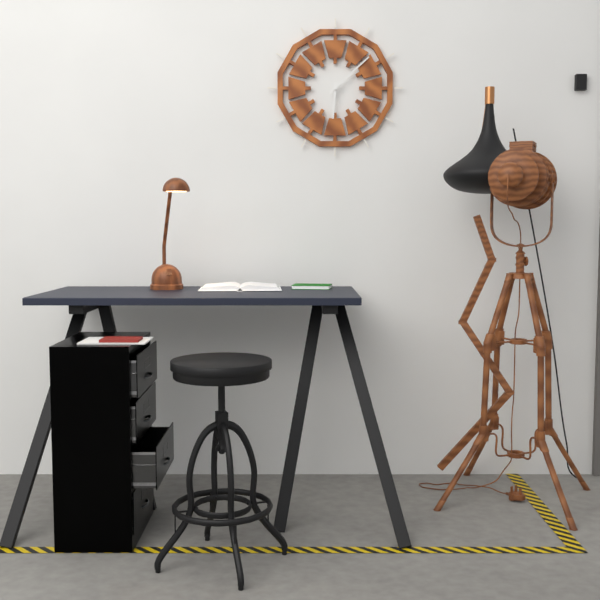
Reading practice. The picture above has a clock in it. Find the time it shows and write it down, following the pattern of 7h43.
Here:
6h08
